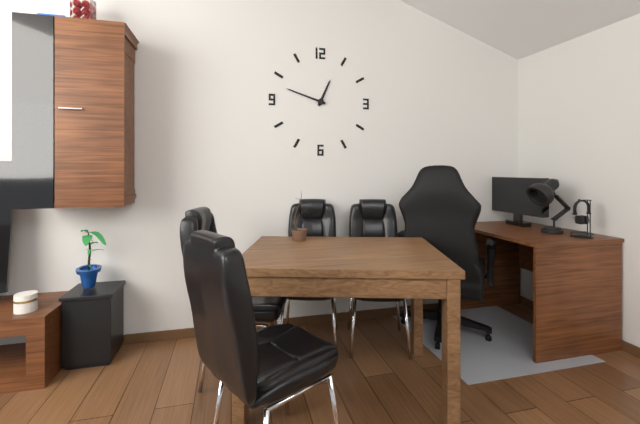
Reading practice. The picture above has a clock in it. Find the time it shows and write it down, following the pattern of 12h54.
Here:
12h48
